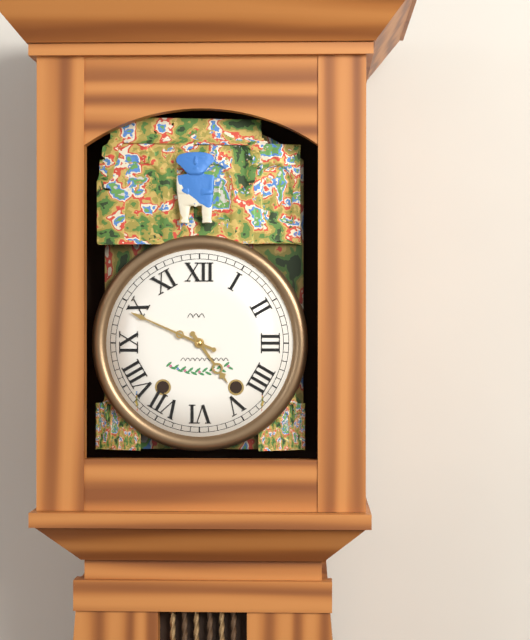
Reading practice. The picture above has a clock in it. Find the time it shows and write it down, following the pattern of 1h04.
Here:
4h49
